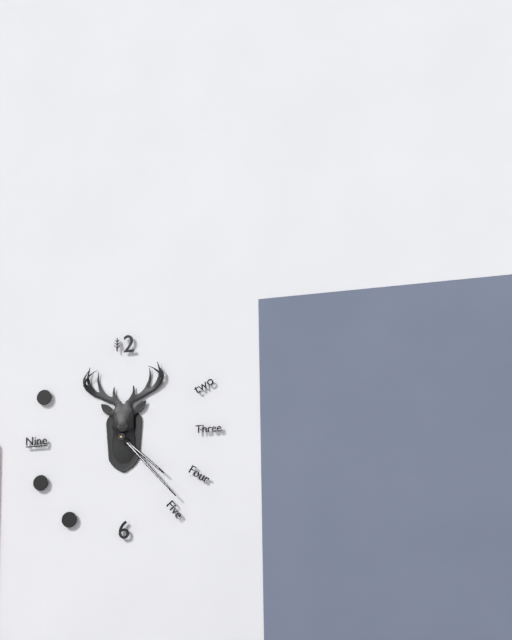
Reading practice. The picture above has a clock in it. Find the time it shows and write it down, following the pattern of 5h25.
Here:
4h23
